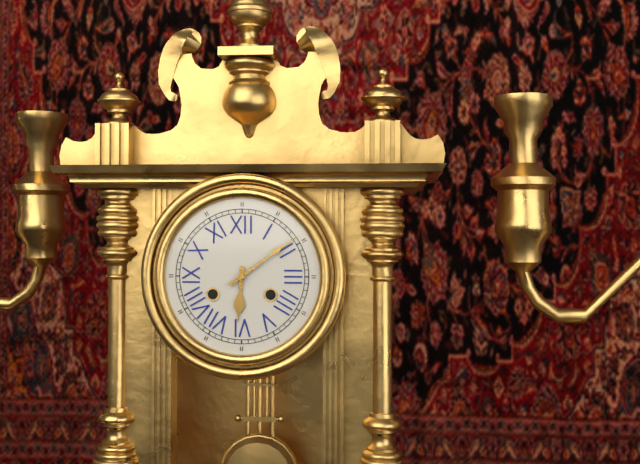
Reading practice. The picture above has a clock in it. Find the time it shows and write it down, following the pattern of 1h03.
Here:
6h09
